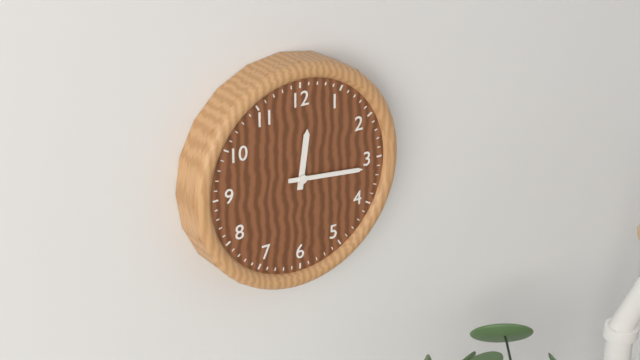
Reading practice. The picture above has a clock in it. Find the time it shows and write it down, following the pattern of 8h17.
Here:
12h16
